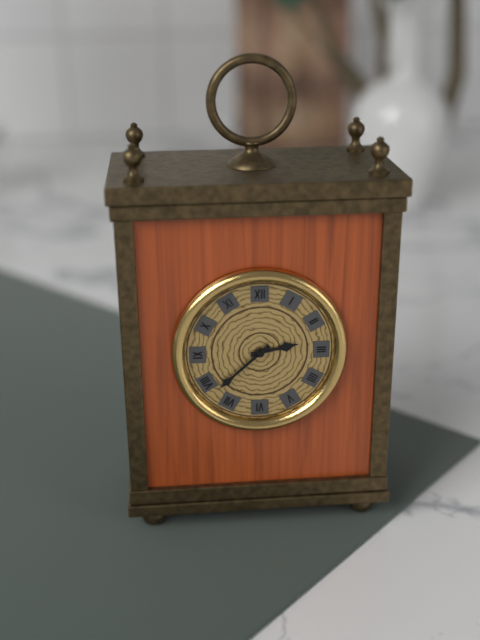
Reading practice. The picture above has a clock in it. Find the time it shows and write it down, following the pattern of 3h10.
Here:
2h38
